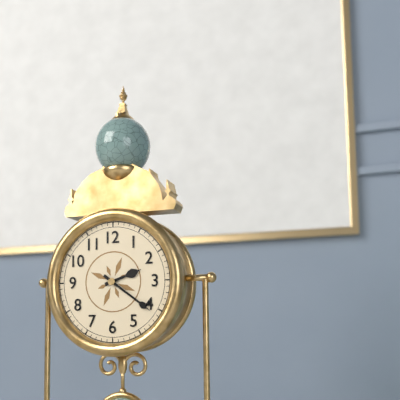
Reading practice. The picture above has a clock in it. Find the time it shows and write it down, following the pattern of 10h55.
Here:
2h21
